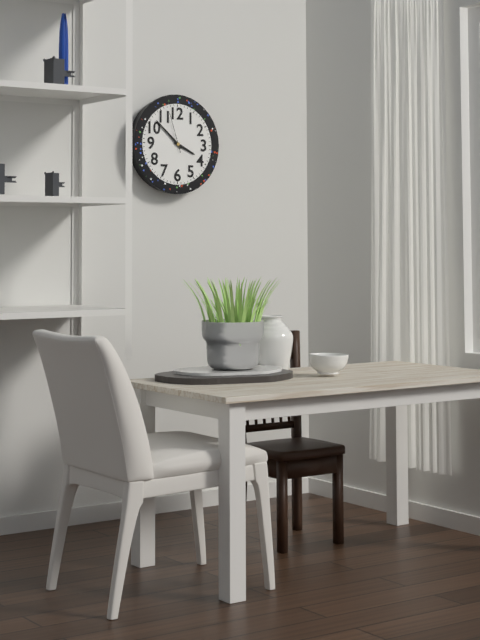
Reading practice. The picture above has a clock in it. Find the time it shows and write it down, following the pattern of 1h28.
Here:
3h52
